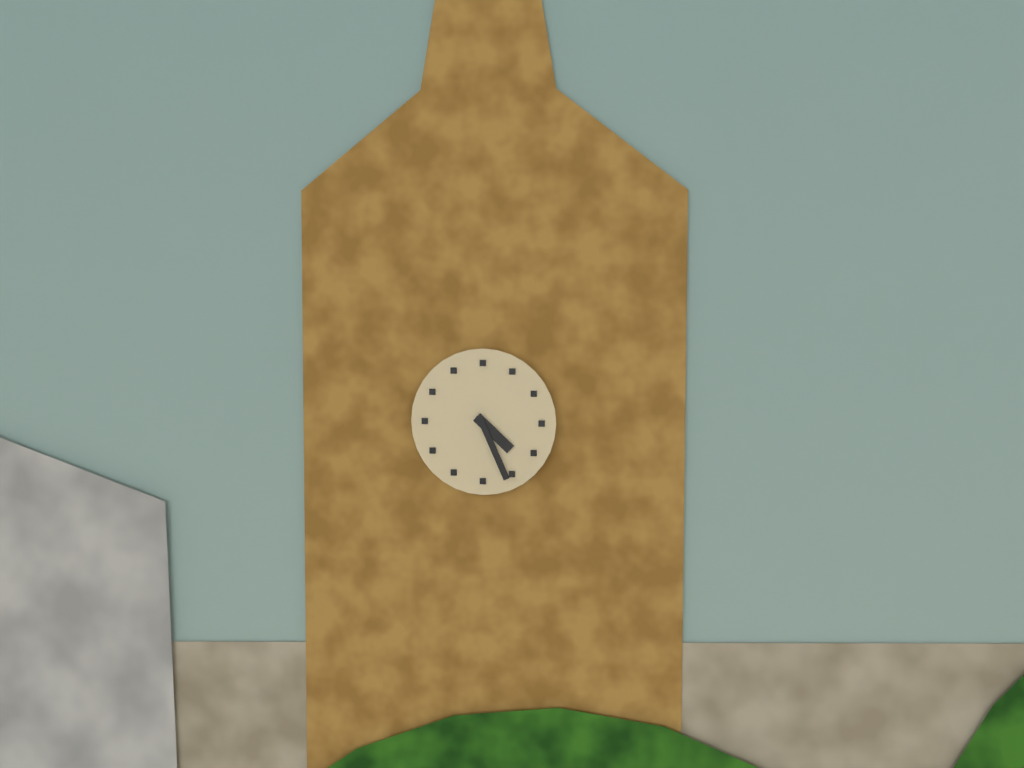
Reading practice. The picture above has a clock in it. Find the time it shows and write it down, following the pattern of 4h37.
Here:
4h26
